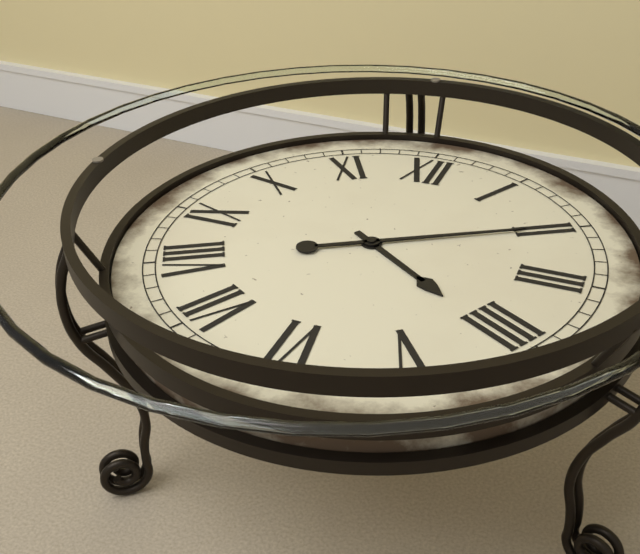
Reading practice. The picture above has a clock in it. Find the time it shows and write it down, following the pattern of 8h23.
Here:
4h10
